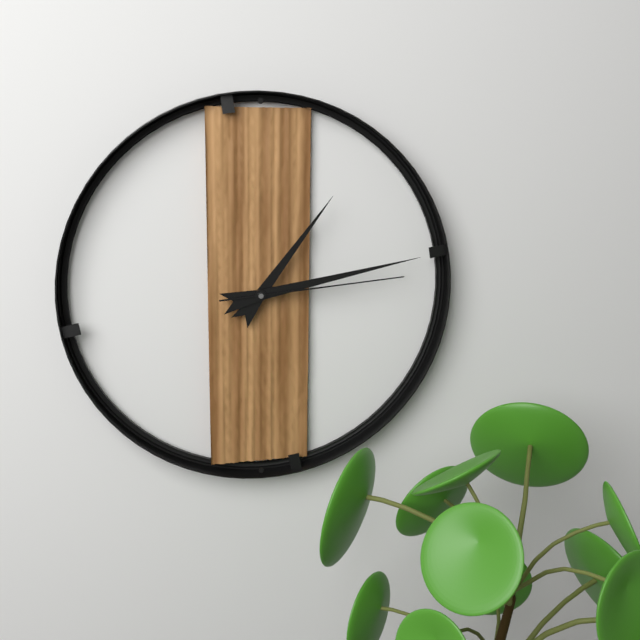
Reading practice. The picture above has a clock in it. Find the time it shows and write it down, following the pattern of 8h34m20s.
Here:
1h13m14s
